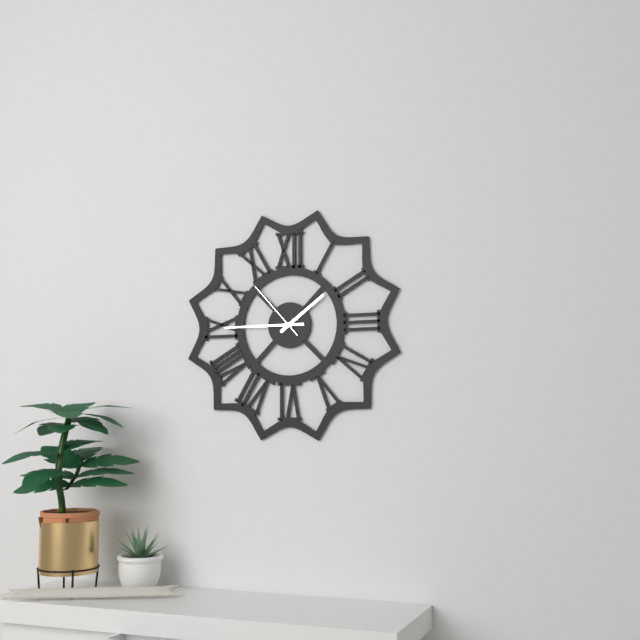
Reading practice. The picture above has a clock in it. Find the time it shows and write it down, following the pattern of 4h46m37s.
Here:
1h45m53s
